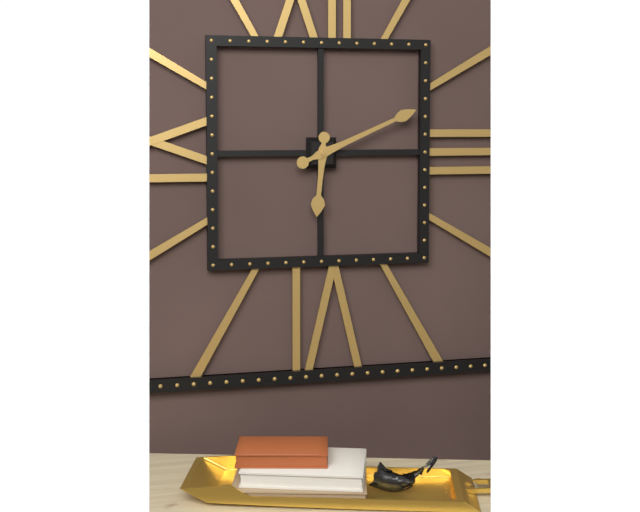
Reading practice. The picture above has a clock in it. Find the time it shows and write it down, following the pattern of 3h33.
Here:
6h11
